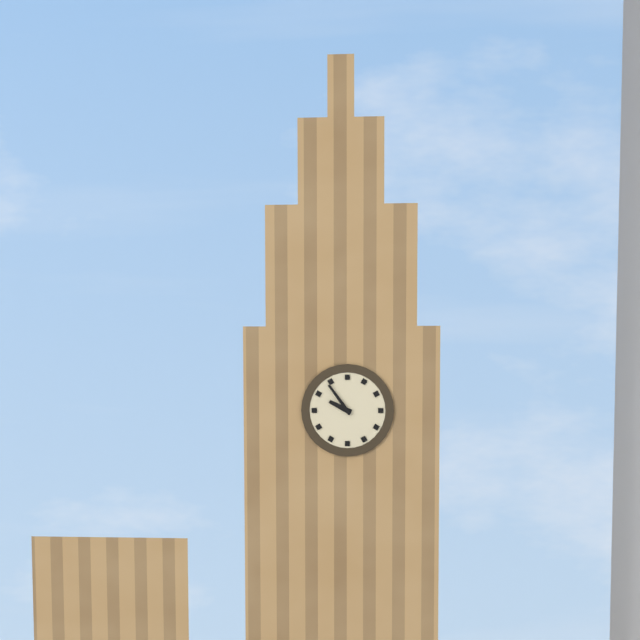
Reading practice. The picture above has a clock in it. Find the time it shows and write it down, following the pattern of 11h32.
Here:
9h54
